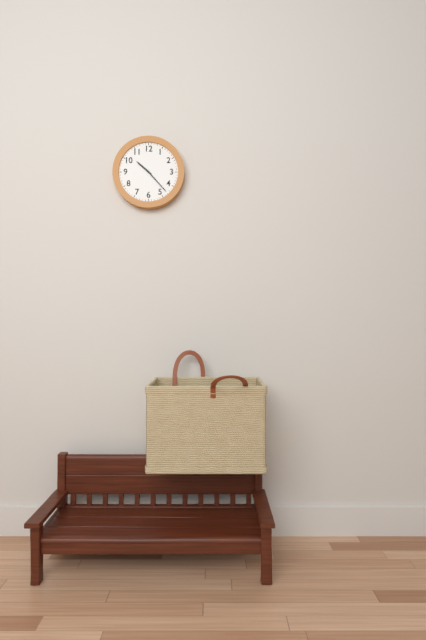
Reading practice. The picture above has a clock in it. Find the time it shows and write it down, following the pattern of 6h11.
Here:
10h23
